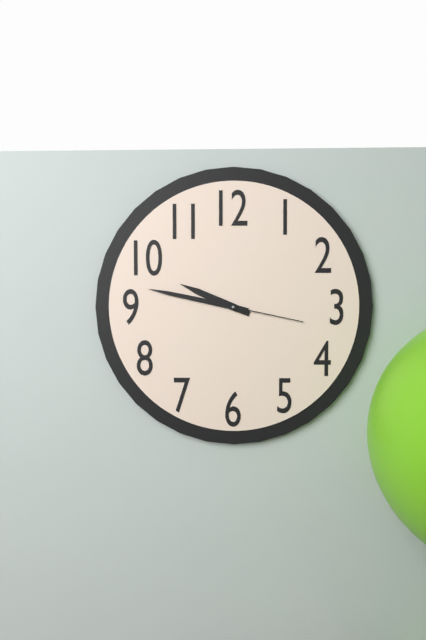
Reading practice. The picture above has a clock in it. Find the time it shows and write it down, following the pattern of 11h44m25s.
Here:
9h47m17s
